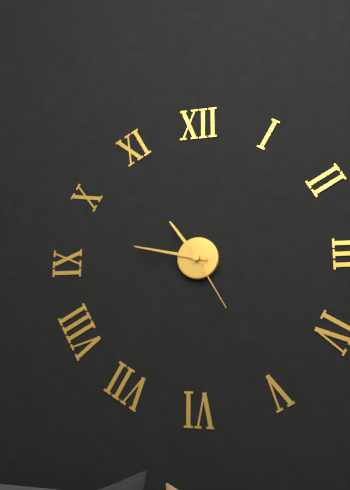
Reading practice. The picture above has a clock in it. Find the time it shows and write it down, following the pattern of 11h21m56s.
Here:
10h47m25s
